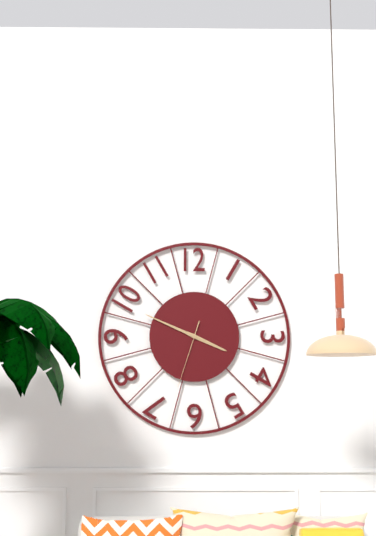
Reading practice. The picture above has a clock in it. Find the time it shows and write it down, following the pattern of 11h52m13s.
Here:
3h49m33s
